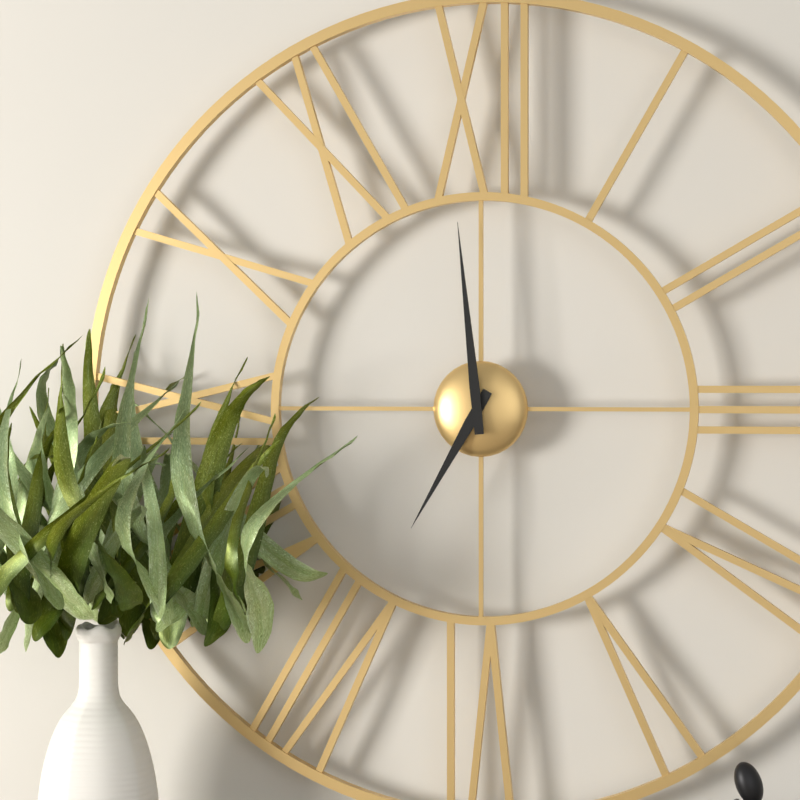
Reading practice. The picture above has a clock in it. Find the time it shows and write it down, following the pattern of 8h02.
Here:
6h59
